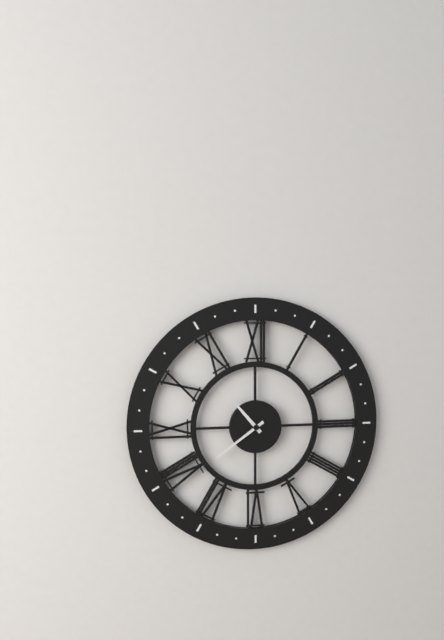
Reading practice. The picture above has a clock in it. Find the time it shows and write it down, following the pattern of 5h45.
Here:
10h39
